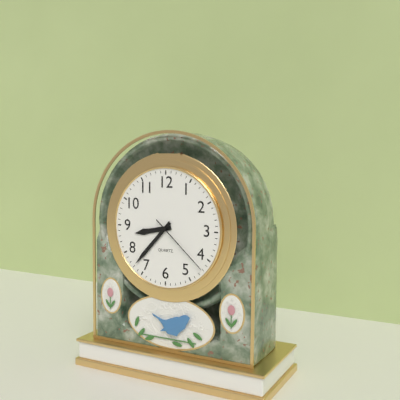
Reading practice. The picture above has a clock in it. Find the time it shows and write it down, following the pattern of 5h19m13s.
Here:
8h37m22s
